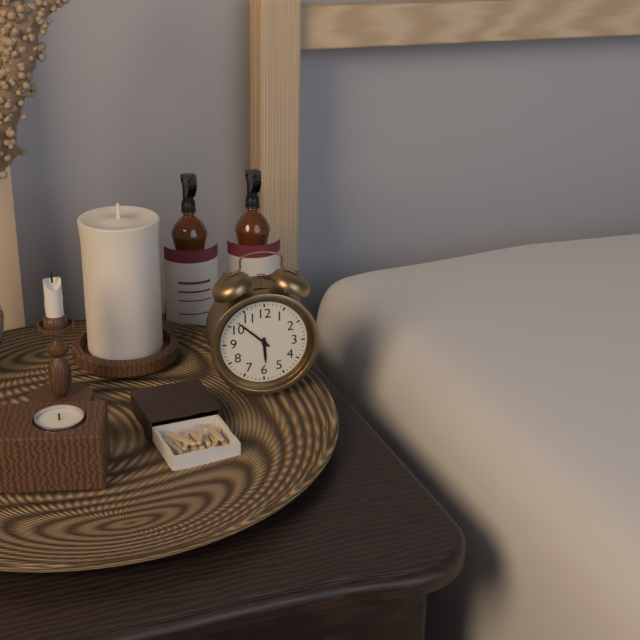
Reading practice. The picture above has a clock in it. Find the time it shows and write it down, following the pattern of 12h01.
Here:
5h52
